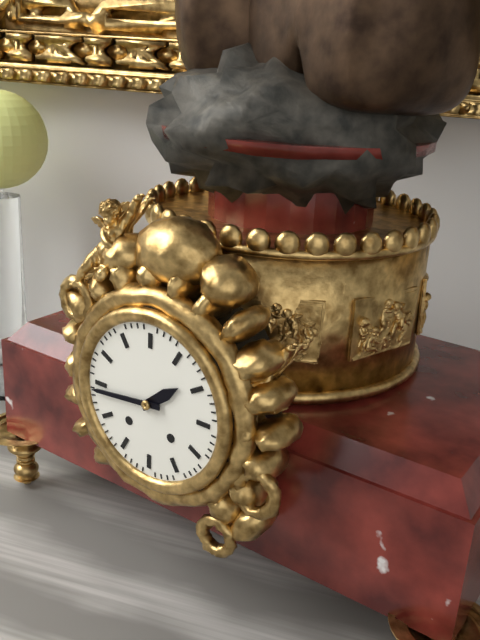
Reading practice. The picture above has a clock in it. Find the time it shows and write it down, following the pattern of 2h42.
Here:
1h44
